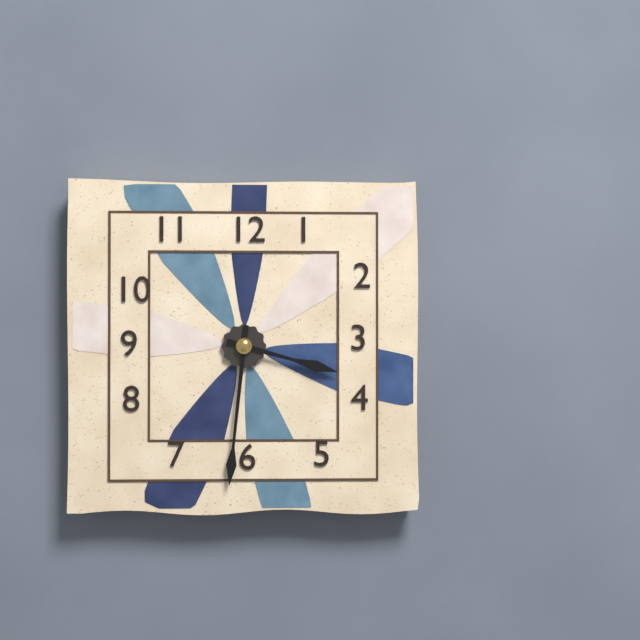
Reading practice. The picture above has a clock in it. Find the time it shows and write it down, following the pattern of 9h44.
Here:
3h31
